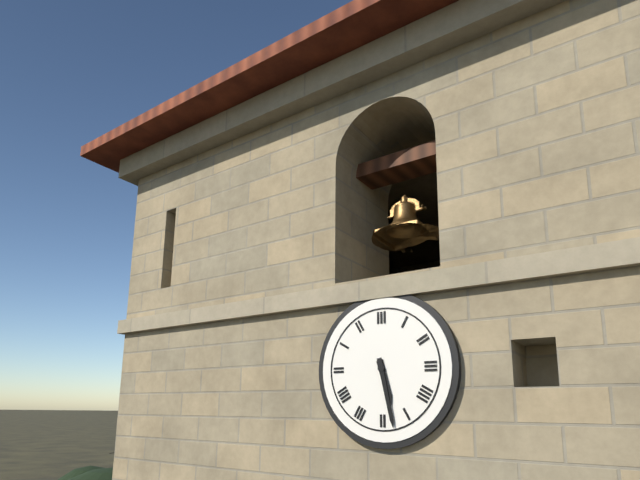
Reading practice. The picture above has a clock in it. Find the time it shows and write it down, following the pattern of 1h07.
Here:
5h28
